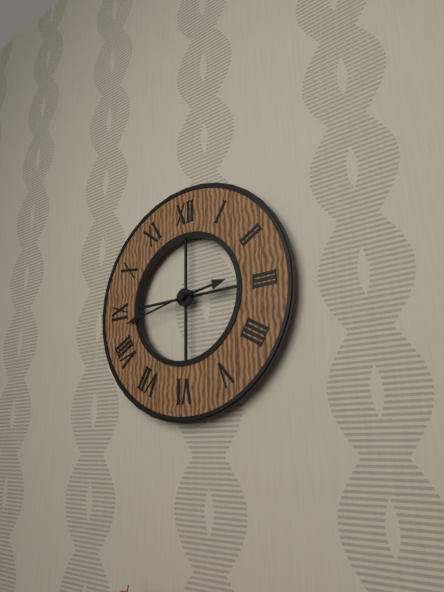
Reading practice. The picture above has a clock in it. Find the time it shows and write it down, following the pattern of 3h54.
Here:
2h43
